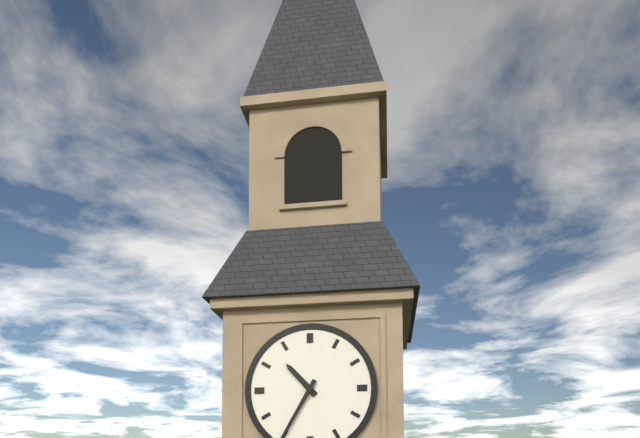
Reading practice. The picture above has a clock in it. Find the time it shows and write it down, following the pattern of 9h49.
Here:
10h35
